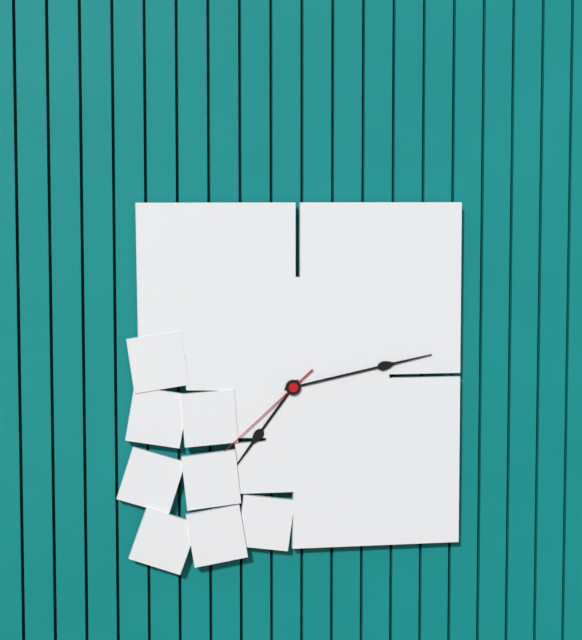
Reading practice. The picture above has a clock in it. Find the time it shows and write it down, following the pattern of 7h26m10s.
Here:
7h13m38s
